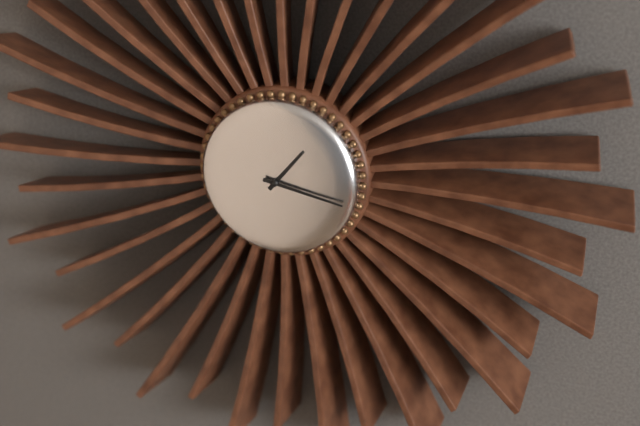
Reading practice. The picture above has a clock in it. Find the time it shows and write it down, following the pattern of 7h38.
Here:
1h17
